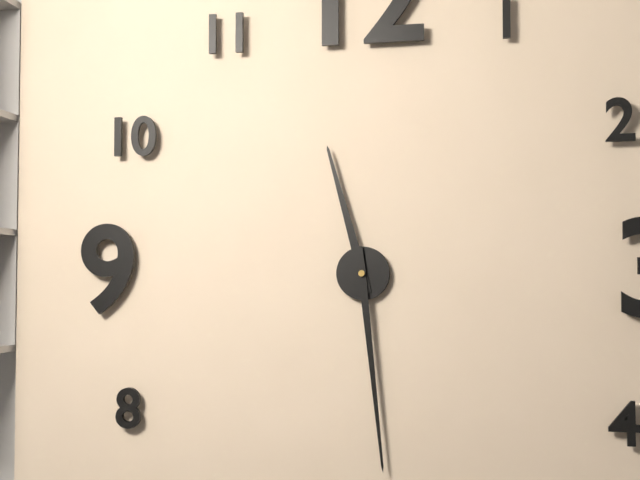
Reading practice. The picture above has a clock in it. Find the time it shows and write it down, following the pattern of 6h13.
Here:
11h29
